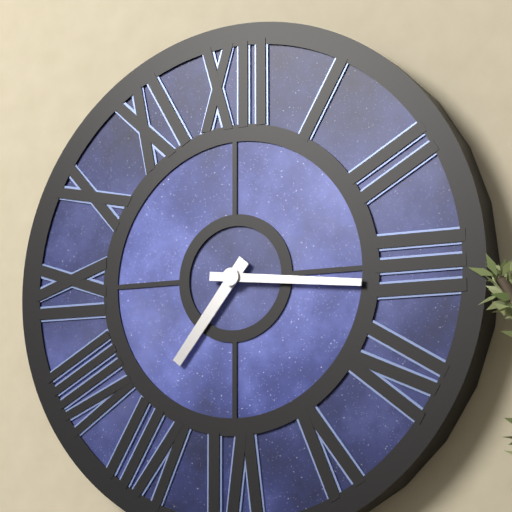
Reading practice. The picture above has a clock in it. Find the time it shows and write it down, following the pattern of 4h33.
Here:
7h16
